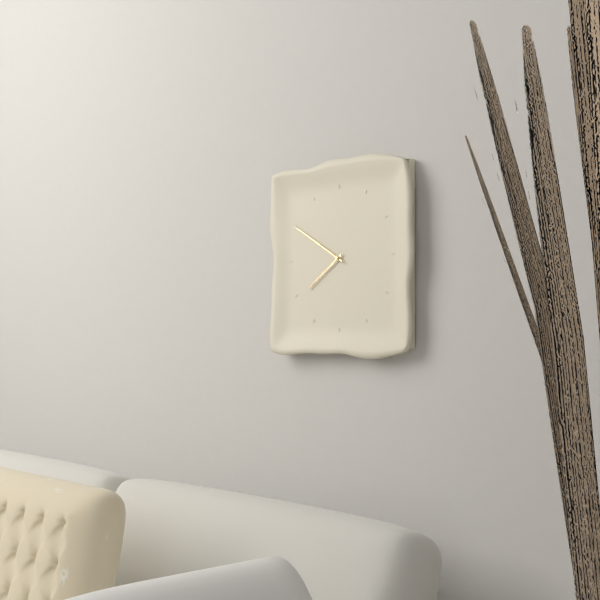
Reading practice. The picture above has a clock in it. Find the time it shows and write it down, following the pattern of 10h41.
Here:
7h50
